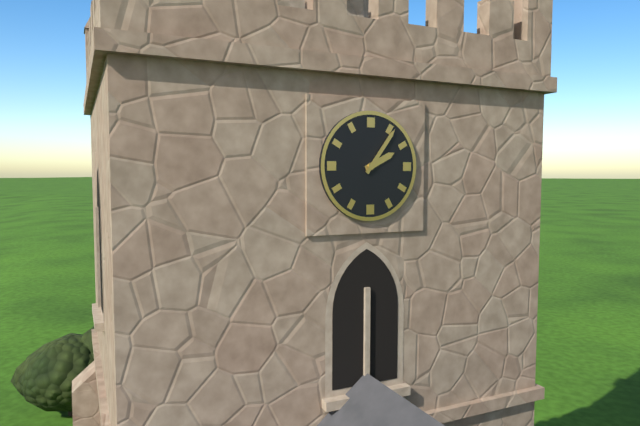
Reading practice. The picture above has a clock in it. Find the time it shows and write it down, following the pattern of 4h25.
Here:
2h06
